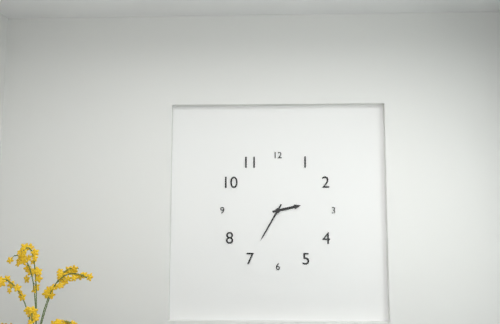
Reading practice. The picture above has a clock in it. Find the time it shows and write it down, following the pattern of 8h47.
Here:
2h35
